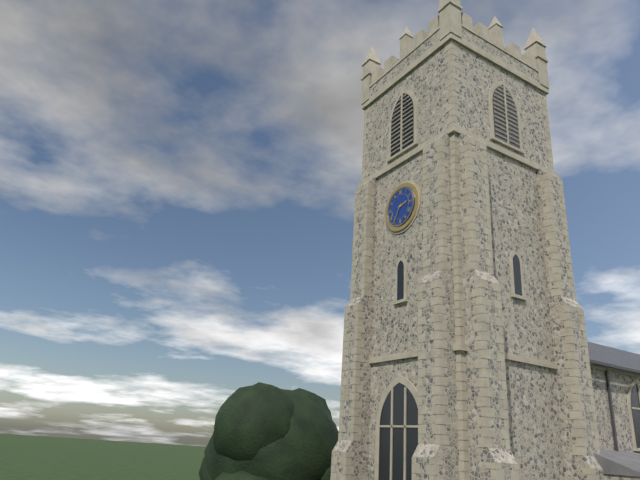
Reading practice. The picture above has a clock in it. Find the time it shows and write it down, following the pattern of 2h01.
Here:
2h35
